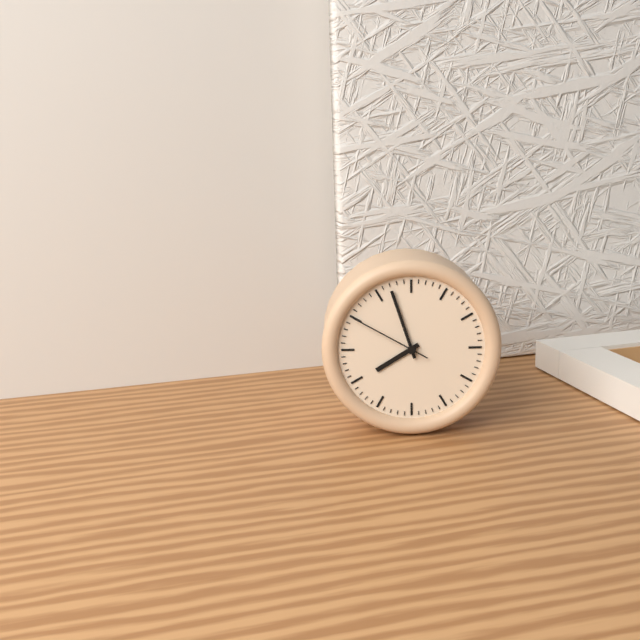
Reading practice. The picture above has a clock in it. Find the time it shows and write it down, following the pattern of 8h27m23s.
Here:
7h57m50s
